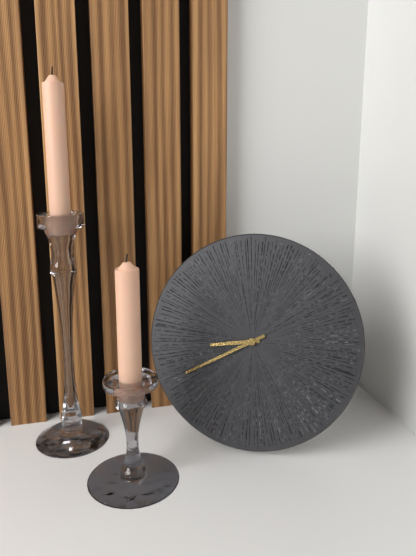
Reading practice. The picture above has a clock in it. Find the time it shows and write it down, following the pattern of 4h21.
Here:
8h40
